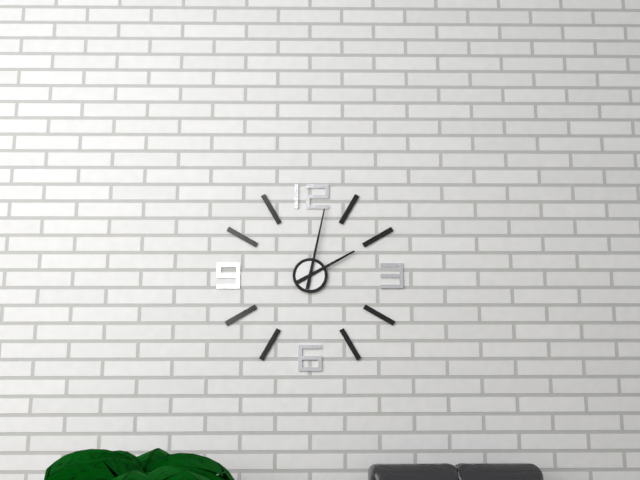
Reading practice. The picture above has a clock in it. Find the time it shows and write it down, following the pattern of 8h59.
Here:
2h02
